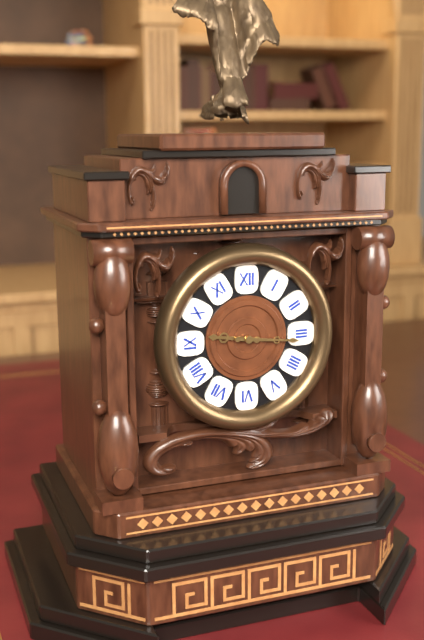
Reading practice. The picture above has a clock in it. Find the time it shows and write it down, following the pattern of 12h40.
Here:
9h16
